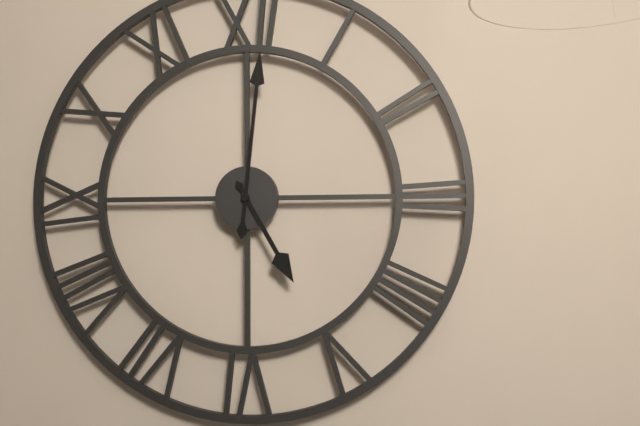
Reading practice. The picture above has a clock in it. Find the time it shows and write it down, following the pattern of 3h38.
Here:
5h01
